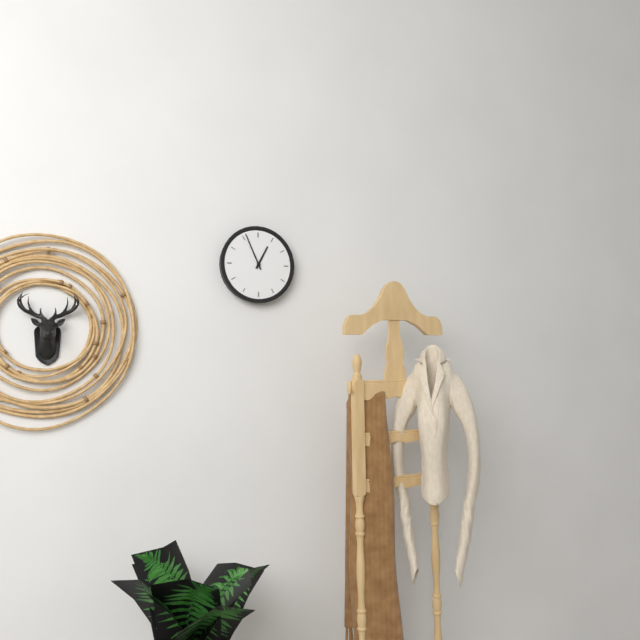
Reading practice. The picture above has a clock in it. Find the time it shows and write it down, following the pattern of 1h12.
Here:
12h56
